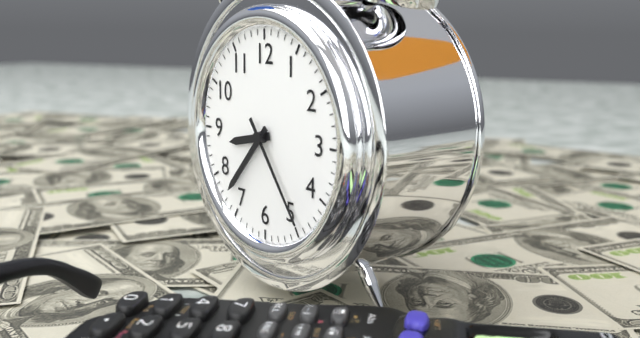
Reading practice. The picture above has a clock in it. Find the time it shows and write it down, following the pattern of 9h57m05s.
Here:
8h37m24s
